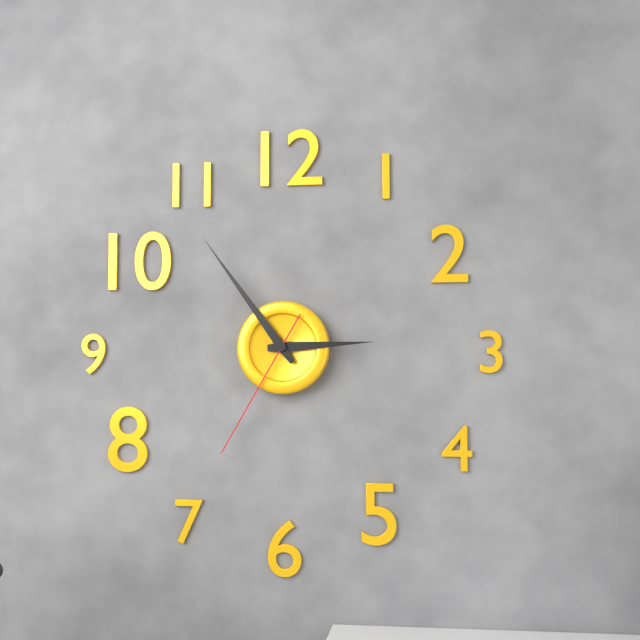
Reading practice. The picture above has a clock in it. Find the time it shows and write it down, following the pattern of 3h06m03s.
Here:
2h54m35s
